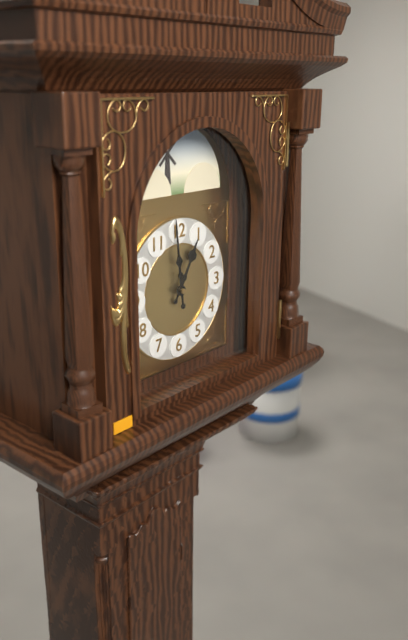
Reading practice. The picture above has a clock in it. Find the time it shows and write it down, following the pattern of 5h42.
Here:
12h59
